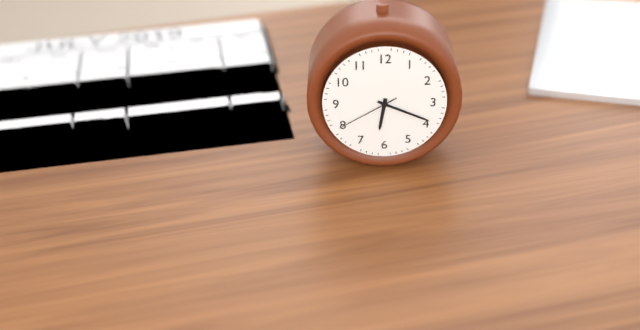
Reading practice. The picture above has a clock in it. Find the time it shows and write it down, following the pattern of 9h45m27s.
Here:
6h19m40s
